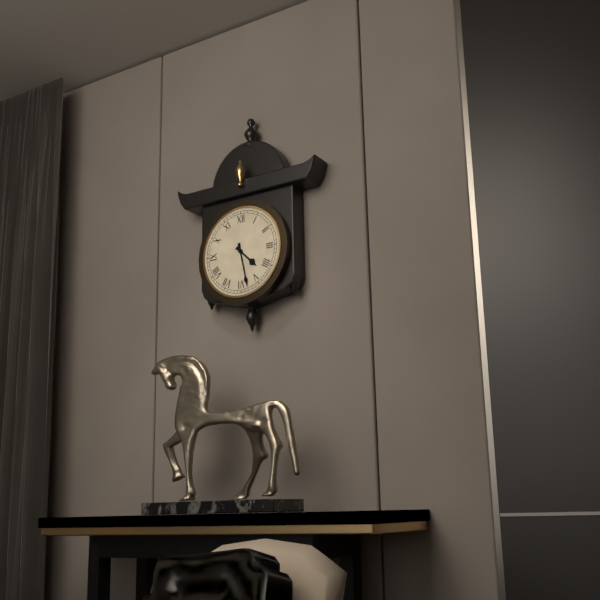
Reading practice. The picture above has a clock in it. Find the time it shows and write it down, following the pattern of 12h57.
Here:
4h28
